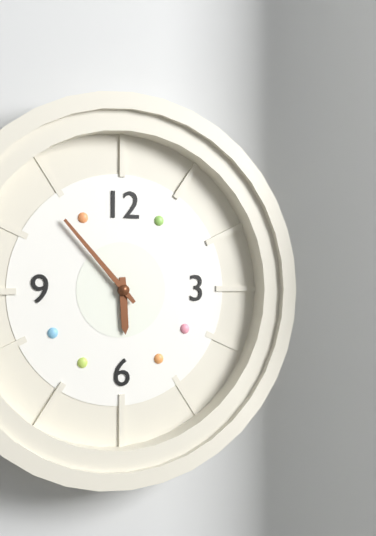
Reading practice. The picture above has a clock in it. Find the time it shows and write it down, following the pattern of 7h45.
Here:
5h53
